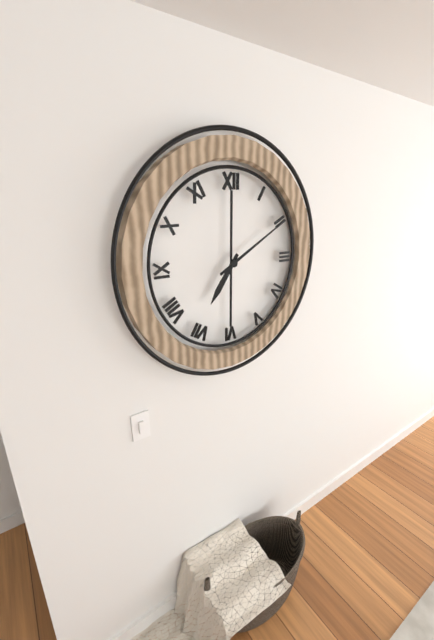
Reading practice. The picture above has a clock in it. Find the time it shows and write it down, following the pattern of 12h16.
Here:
7h10
